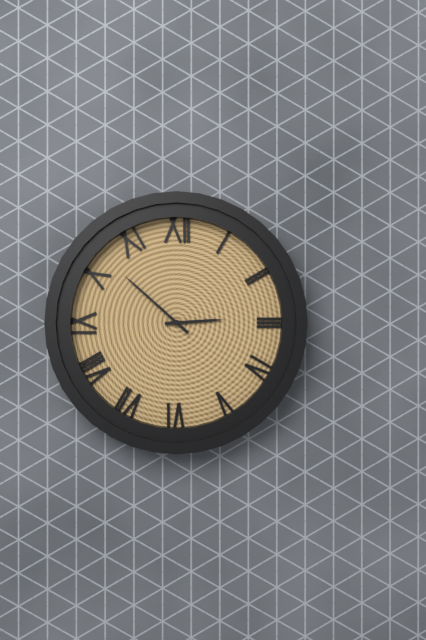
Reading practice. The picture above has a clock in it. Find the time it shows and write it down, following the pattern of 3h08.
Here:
2h52
